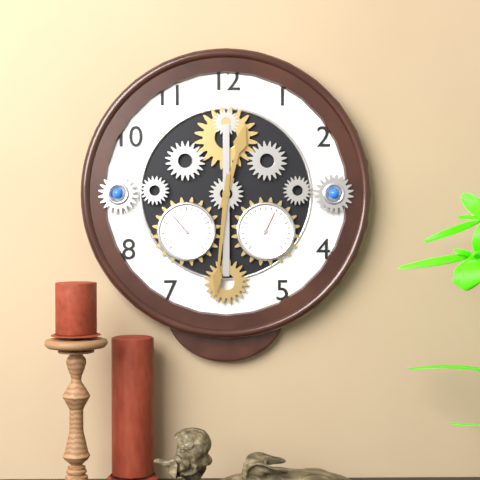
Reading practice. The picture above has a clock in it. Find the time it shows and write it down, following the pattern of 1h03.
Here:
12h31
